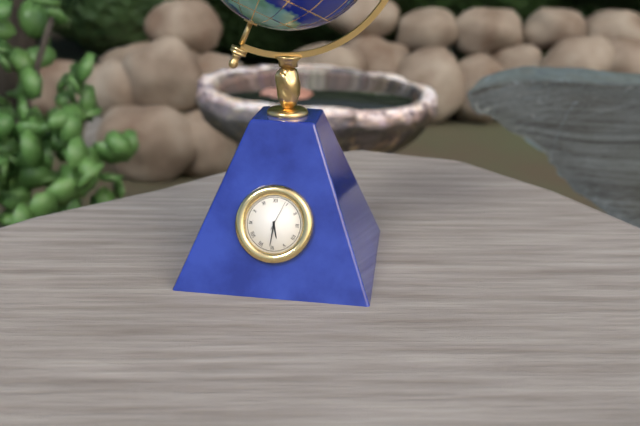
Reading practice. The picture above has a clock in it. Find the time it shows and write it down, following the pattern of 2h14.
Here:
5h31
